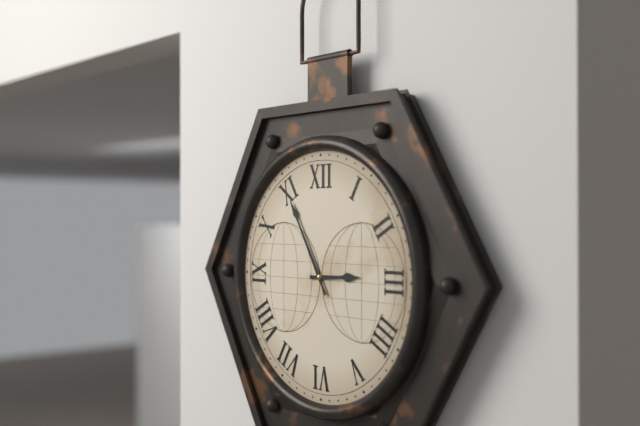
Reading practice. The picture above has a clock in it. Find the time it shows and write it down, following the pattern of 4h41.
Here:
2h55
